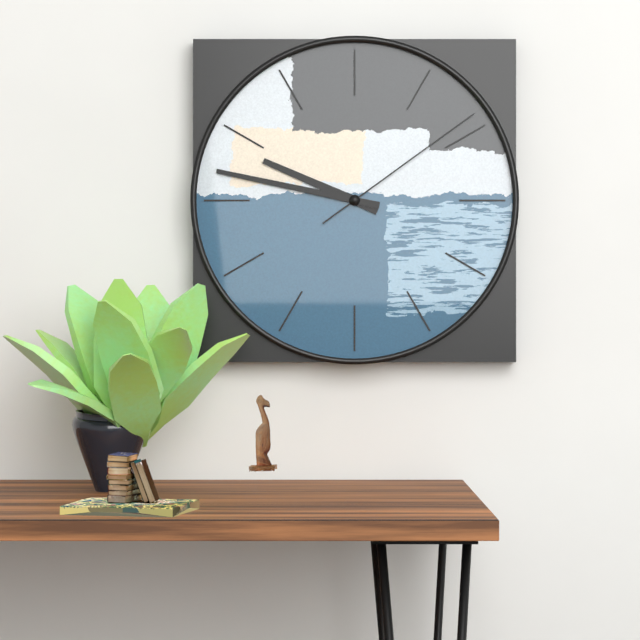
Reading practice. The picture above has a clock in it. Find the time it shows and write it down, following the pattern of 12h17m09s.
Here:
9h47m09s
